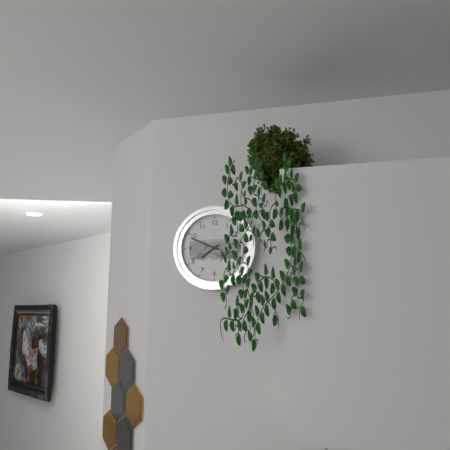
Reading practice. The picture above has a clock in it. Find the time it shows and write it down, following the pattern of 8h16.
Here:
7h49
